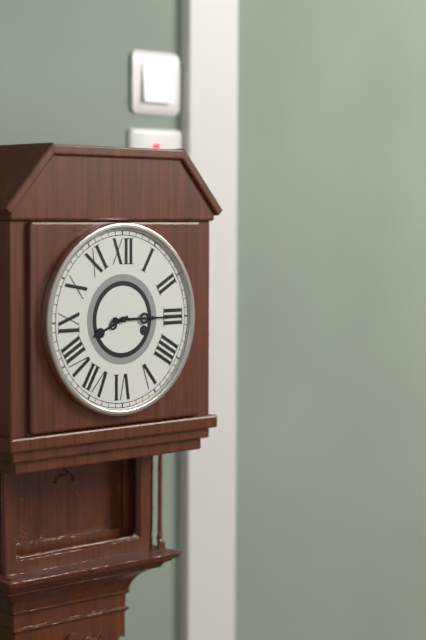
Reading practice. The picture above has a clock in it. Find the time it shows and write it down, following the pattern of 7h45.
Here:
8h15
